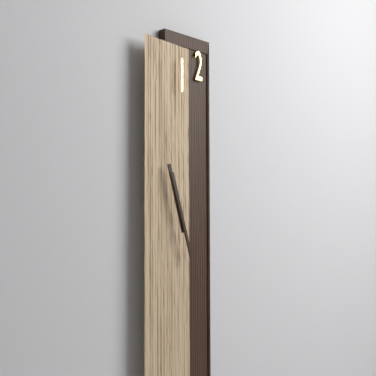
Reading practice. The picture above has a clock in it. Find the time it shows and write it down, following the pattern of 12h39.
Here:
5h27
